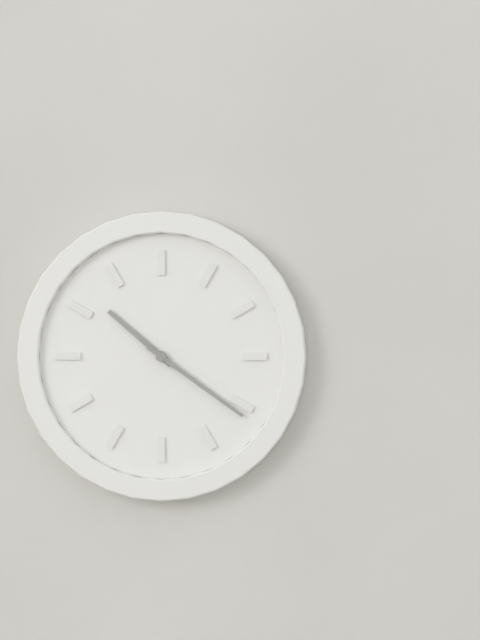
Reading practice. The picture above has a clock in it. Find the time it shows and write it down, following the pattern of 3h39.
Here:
10h21
